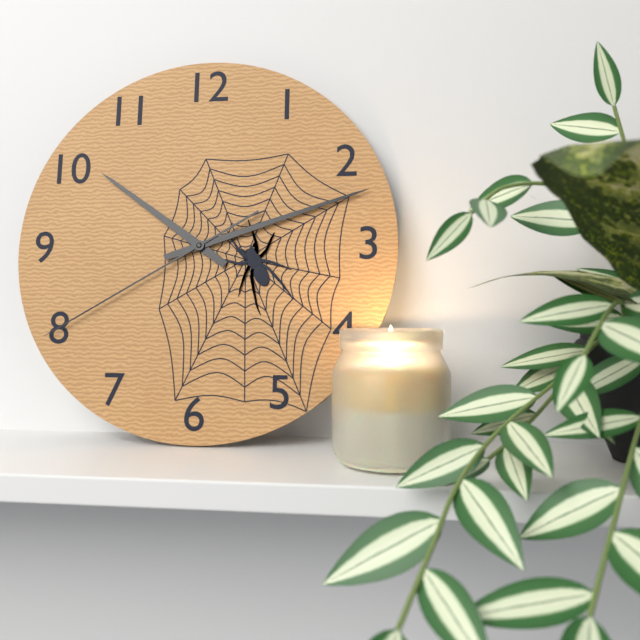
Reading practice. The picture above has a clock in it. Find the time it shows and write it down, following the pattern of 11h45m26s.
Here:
10h12m40s
